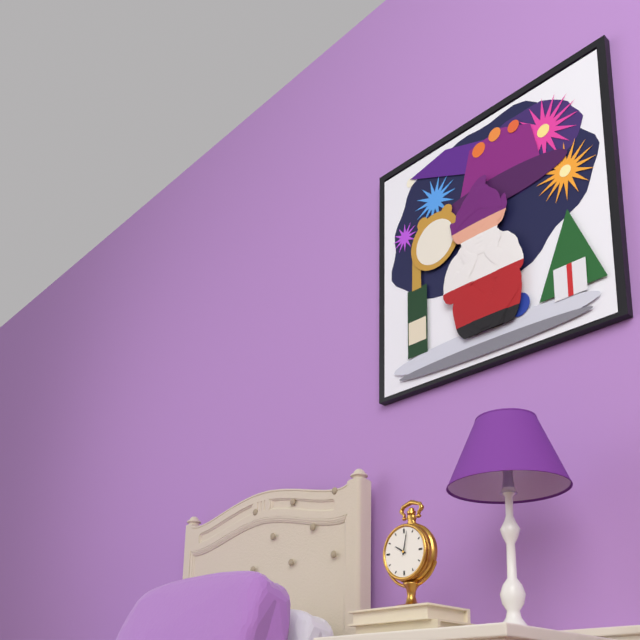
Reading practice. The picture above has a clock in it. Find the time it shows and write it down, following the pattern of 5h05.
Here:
10h02
